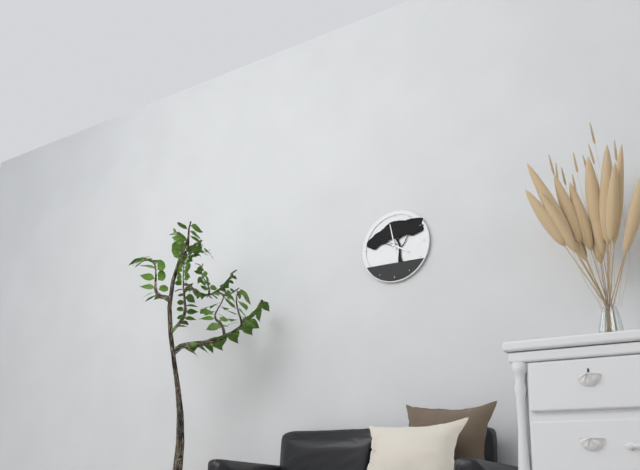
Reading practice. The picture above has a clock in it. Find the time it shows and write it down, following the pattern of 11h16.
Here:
3h58
